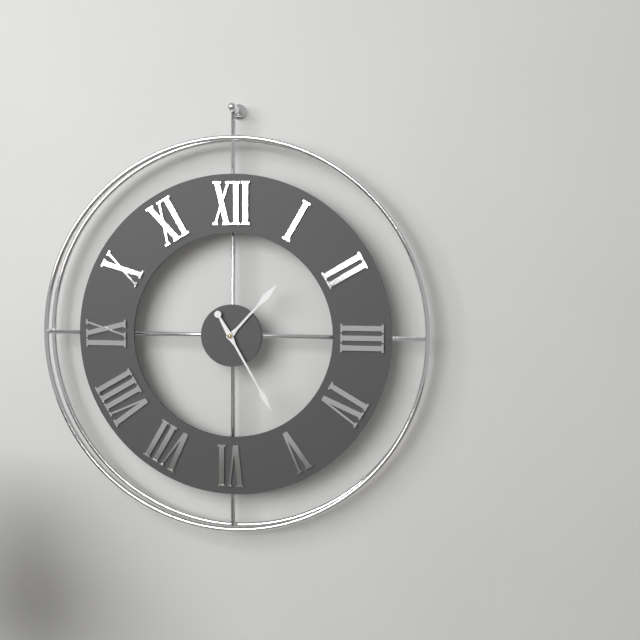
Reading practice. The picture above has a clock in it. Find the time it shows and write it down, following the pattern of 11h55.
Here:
1h25
